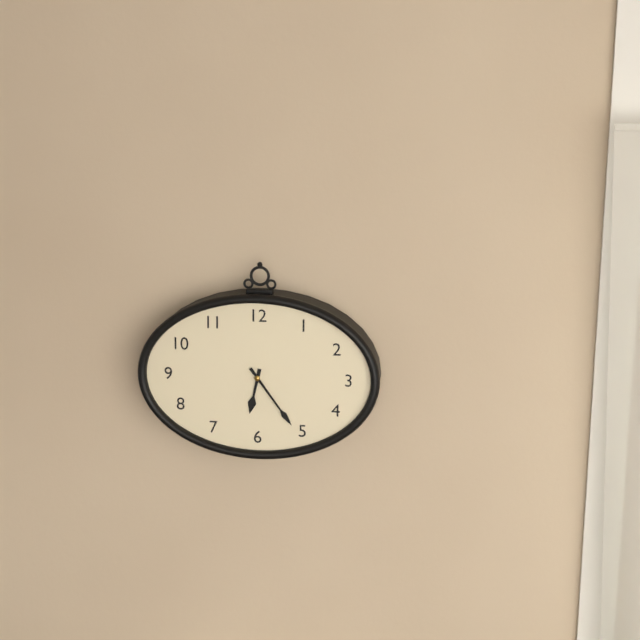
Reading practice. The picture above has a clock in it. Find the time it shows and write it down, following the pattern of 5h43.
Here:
6h24
